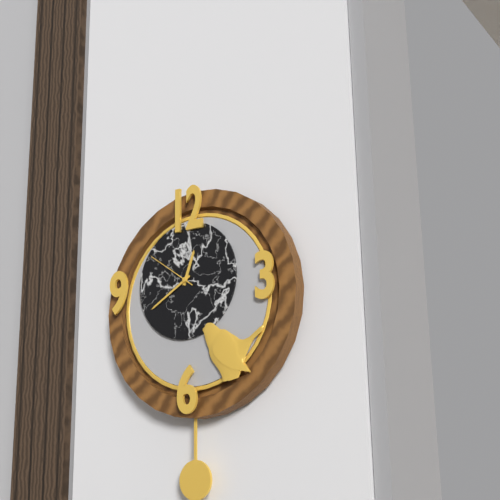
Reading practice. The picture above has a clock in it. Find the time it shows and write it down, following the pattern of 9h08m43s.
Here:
12h40m51s
